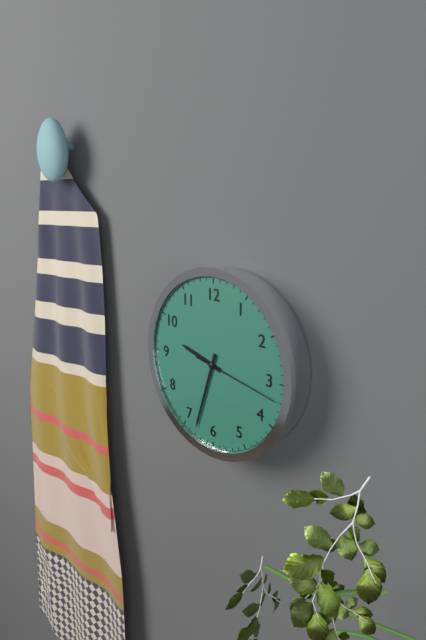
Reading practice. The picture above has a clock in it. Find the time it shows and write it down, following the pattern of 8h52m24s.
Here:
9h33m17s
